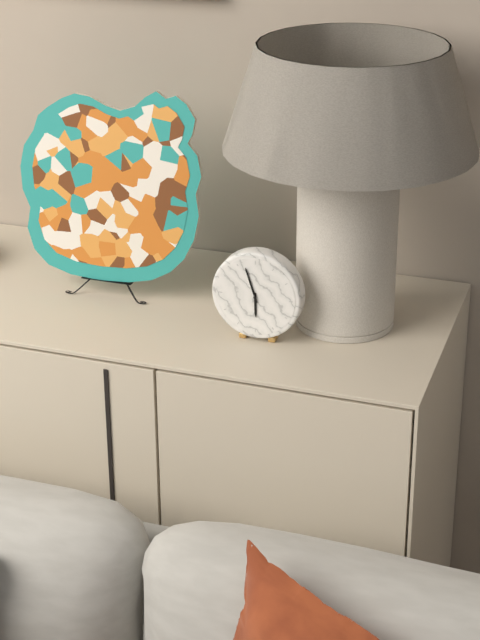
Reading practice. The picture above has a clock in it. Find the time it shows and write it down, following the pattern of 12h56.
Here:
5h57
